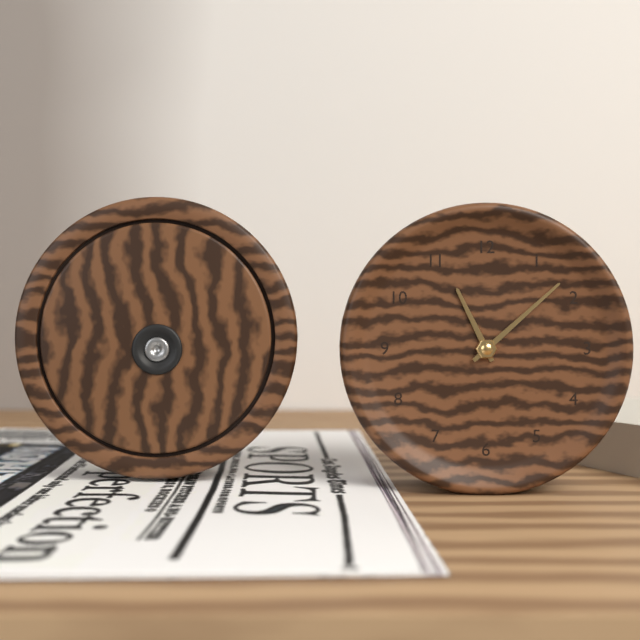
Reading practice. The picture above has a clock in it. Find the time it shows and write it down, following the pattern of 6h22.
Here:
11h08
